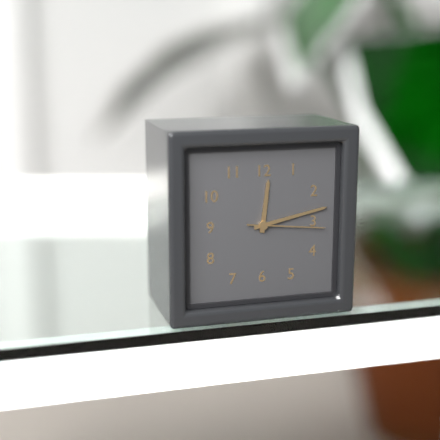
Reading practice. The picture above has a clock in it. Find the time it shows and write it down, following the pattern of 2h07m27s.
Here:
12h13m16s
